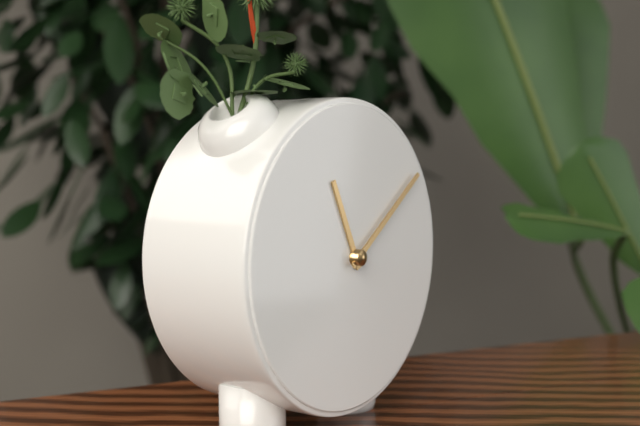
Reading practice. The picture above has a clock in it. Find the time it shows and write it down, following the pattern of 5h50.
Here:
11h09
